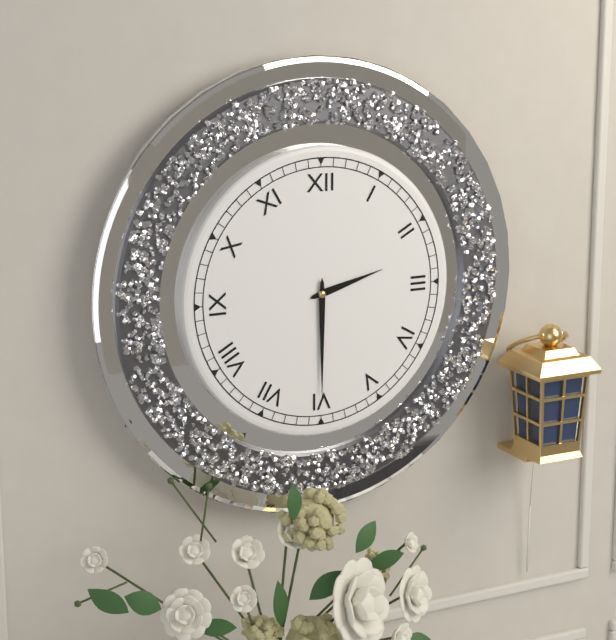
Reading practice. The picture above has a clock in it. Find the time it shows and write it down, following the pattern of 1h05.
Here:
2h30
